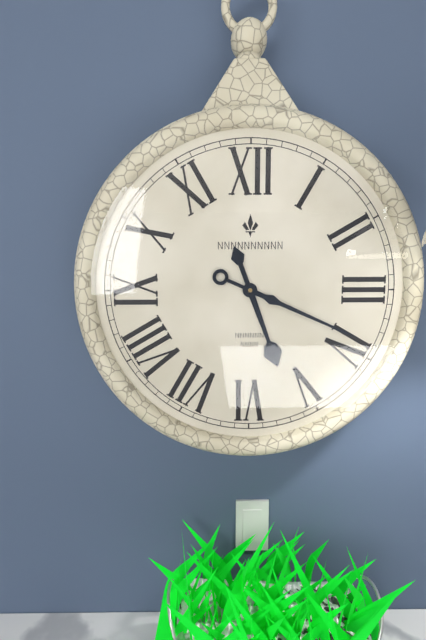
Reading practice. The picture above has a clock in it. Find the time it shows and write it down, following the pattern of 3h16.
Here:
5h19
